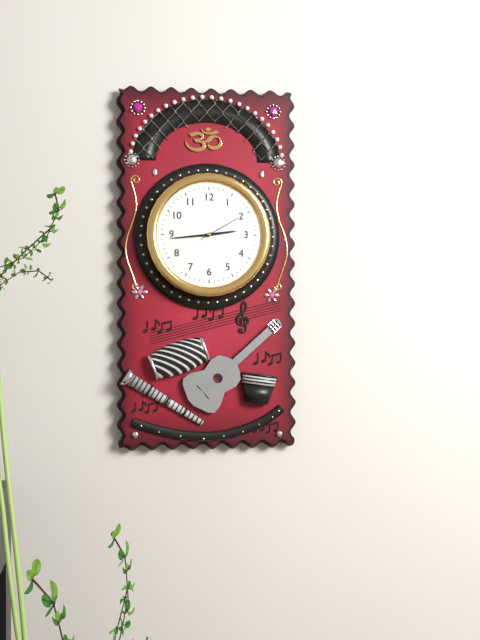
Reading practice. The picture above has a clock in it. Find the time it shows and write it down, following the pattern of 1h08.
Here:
2h44
